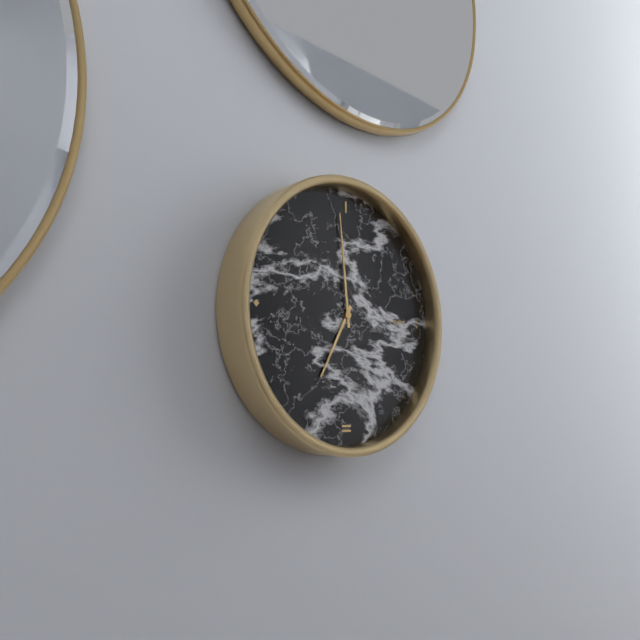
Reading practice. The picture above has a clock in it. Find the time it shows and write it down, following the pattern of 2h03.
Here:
6h59
